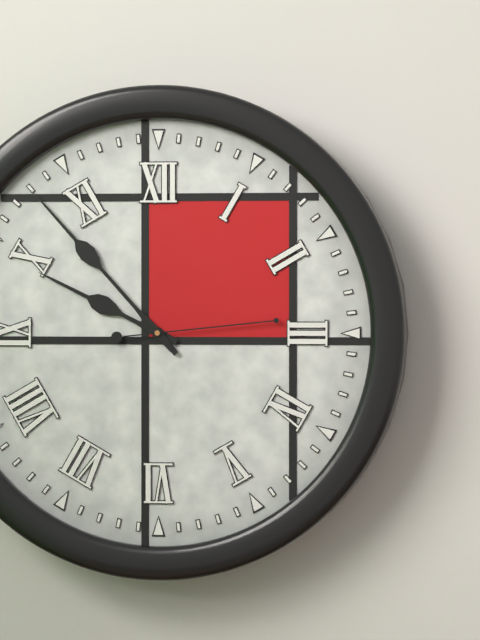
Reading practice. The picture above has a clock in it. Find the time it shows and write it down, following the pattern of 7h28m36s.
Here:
9h53m14s
